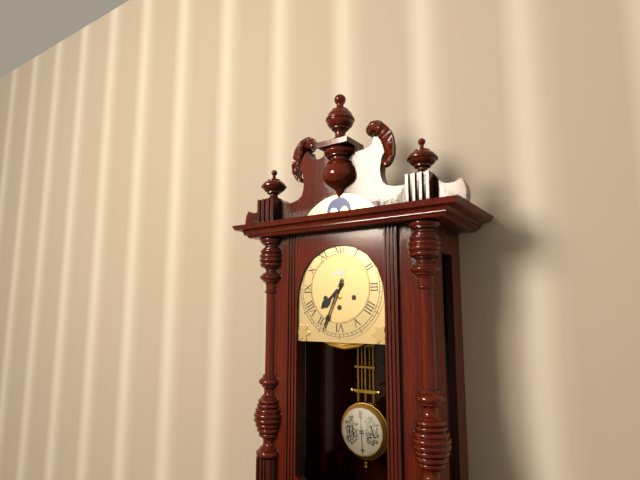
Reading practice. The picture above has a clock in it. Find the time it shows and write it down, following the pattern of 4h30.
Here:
7h34
